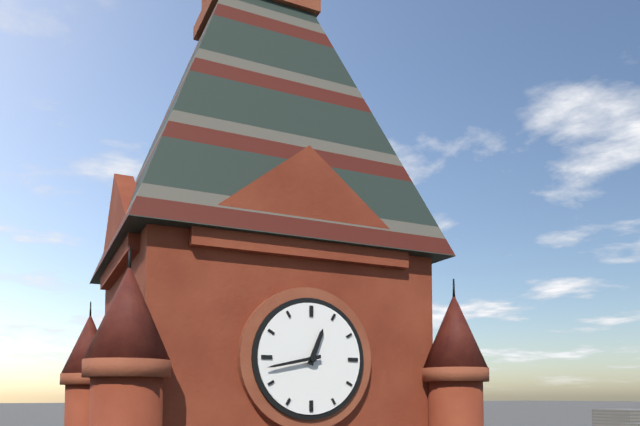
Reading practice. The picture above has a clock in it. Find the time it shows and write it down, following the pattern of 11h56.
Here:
12h43
